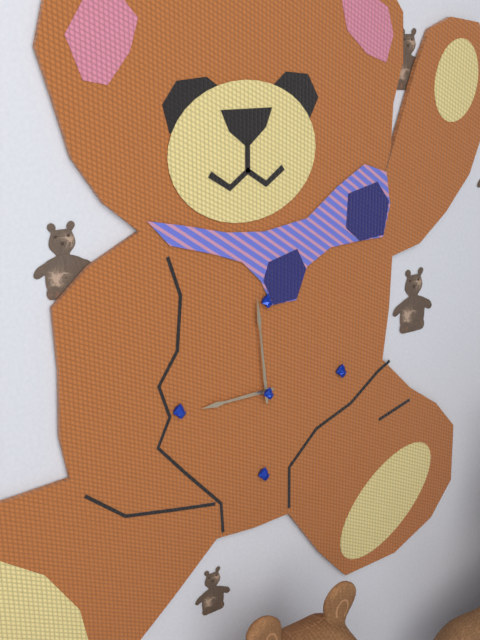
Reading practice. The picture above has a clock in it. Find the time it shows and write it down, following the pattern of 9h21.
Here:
8h59
